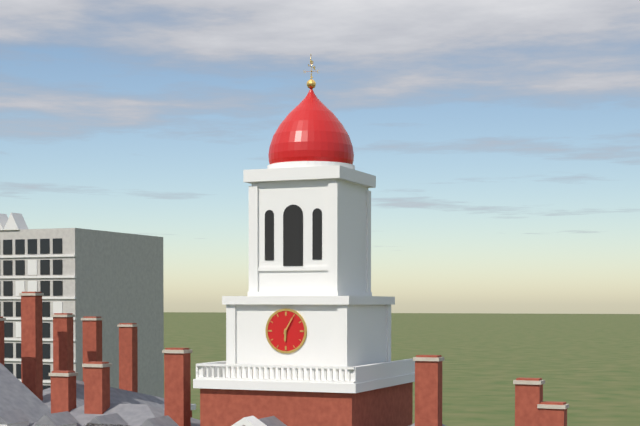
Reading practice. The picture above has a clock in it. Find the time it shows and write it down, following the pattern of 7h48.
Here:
6h05
